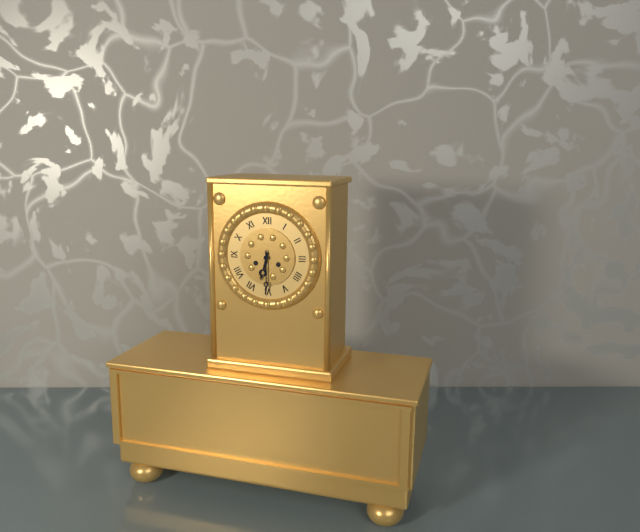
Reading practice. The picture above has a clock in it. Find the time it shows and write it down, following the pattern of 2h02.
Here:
6h30
